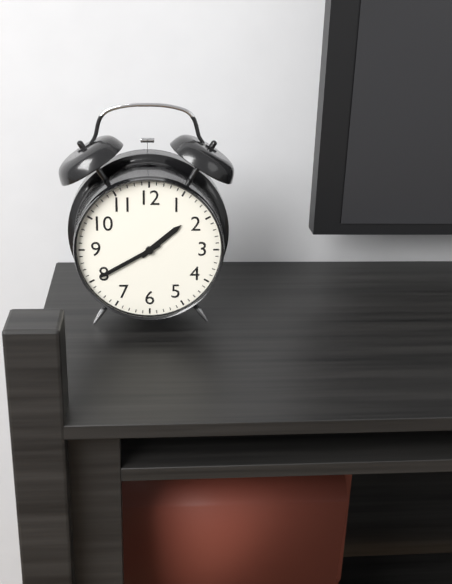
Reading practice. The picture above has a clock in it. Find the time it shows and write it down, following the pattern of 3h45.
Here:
1h40
